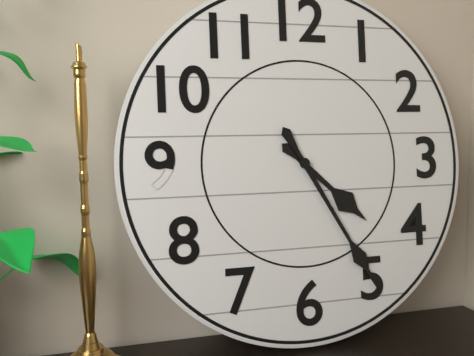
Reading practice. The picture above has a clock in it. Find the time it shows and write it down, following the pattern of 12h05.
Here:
4h25
